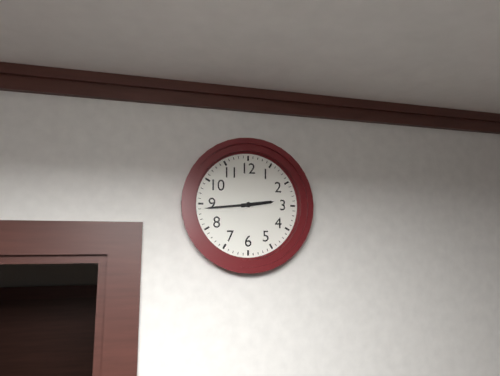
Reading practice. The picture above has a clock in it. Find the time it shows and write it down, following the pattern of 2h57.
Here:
2h44
